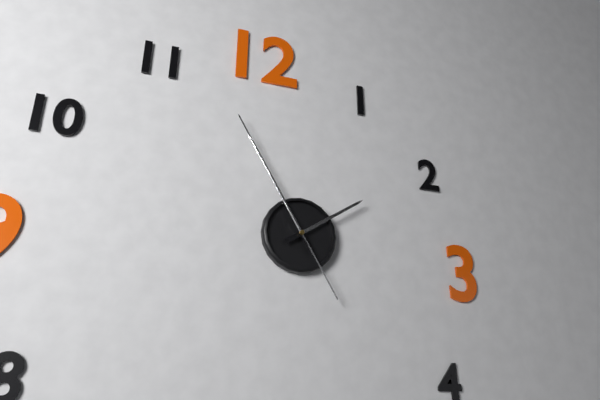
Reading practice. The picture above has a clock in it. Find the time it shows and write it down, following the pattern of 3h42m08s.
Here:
1h55m55s
